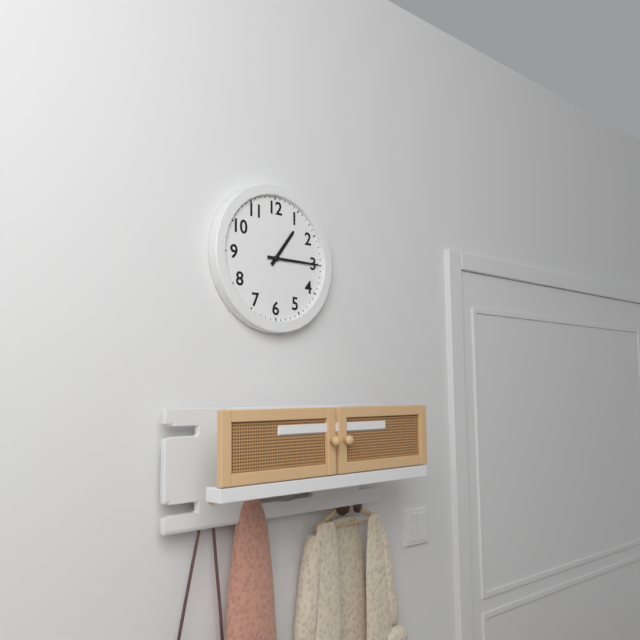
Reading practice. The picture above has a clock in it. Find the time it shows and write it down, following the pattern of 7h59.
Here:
1h15
